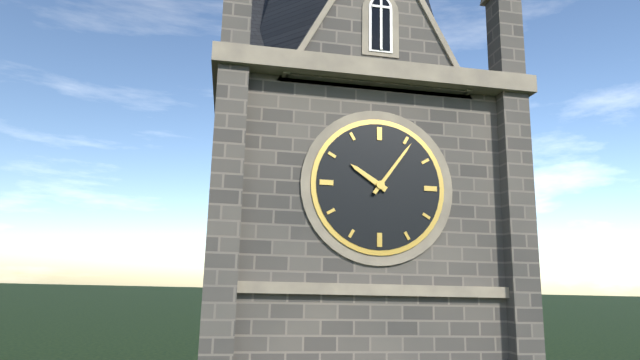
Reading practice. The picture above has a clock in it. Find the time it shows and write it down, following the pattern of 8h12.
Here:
10h06
